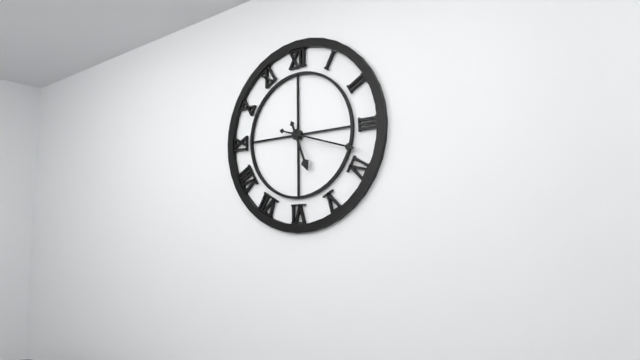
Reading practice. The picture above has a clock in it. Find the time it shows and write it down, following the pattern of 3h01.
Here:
5h18
